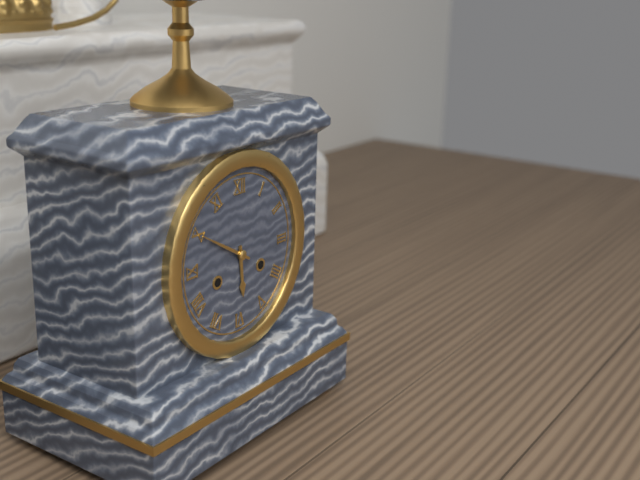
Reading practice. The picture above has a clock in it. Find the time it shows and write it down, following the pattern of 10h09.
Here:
5h50
